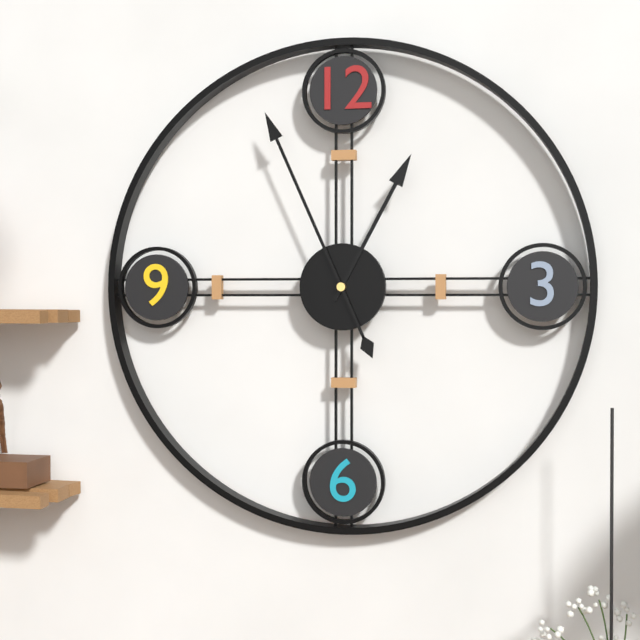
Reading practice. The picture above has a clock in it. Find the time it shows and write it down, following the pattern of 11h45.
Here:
12h56
